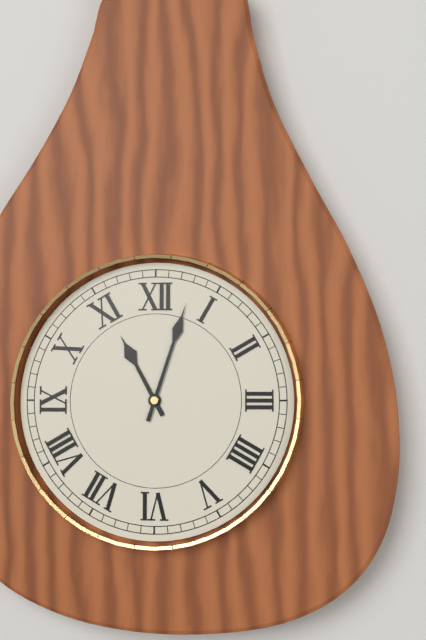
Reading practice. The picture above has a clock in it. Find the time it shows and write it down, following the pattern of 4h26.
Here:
11h03
